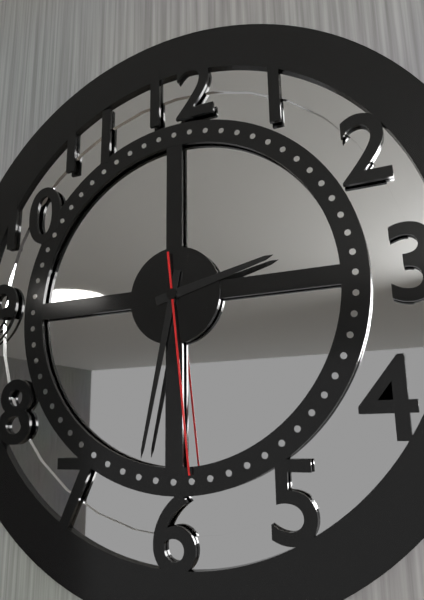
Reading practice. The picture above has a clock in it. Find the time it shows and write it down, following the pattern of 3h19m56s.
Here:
2h32m29s
